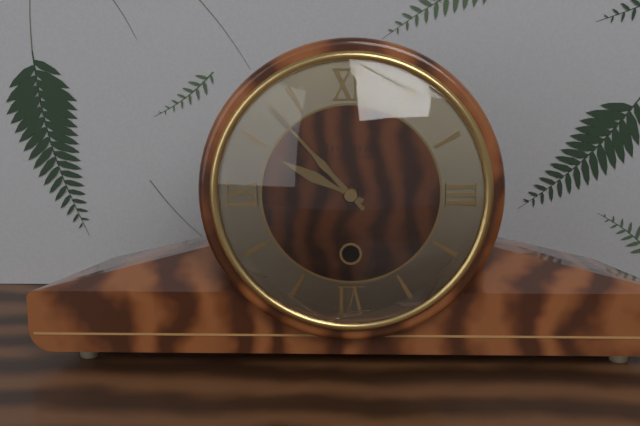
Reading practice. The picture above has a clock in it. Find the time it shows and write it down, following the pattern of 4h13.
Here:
9h53
